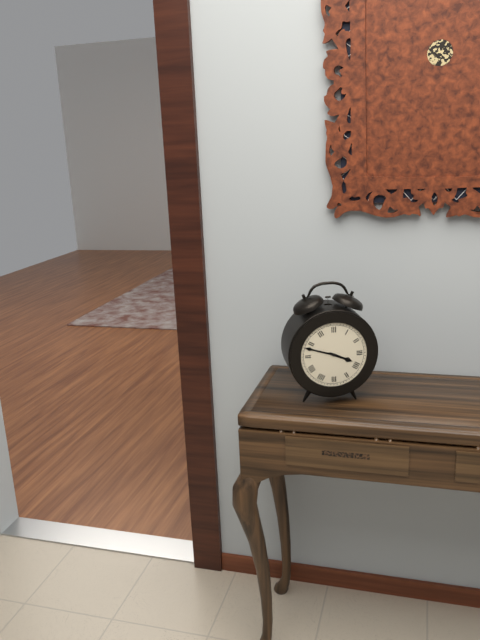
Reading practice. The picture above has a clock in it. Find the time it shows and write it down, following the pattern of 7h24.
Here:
3h48
